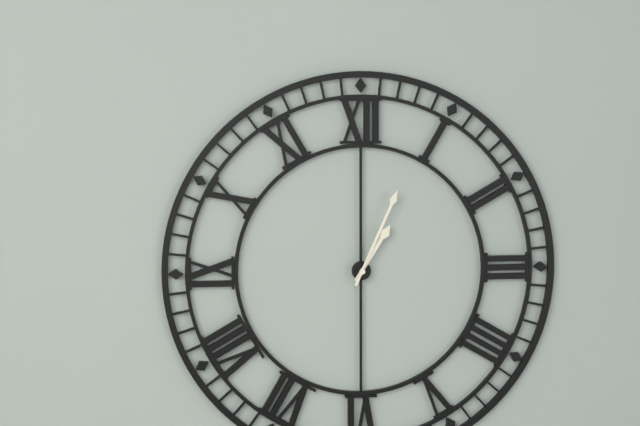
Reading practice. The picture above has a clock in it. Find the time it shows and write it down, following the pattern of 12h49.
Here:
1h04
